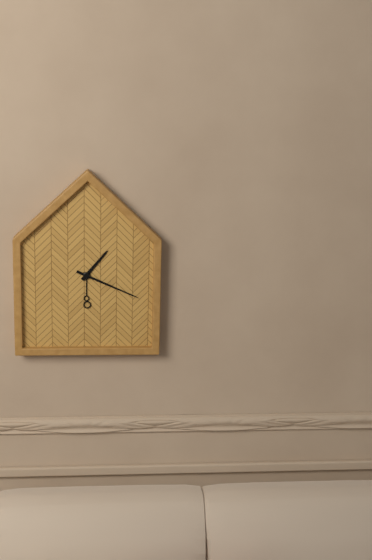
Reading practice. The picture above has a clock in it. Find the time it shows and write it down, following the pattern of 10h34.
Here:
1h19
